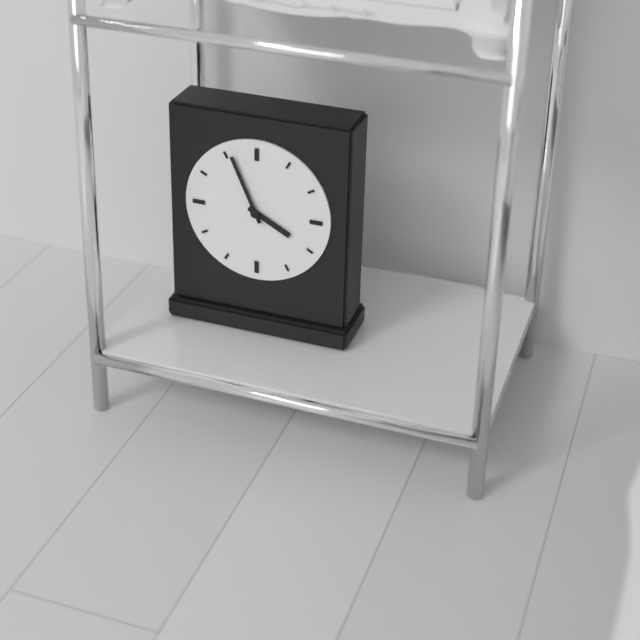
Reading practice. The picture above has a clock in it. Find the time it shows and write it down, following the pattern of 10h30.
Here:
3h56
